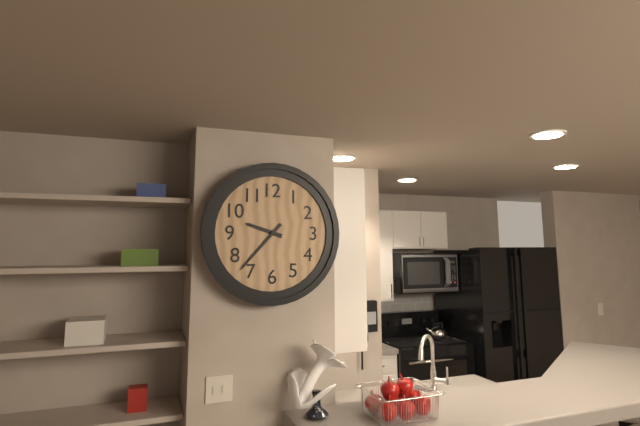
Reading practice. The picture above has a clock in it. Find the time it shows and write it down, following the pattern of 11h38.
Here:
9h37
